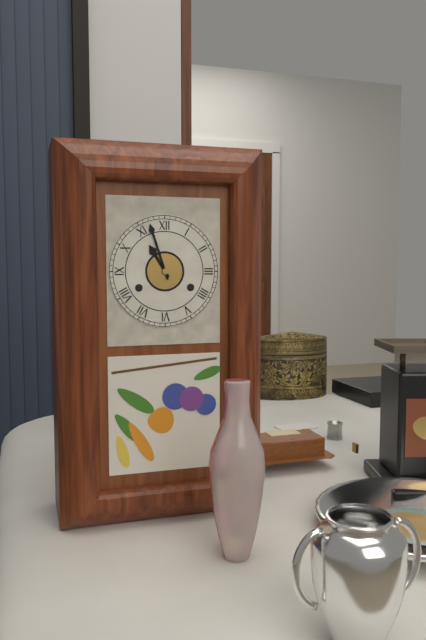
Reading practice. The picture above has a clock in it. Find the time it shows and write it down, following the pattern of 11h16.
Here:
10h57
